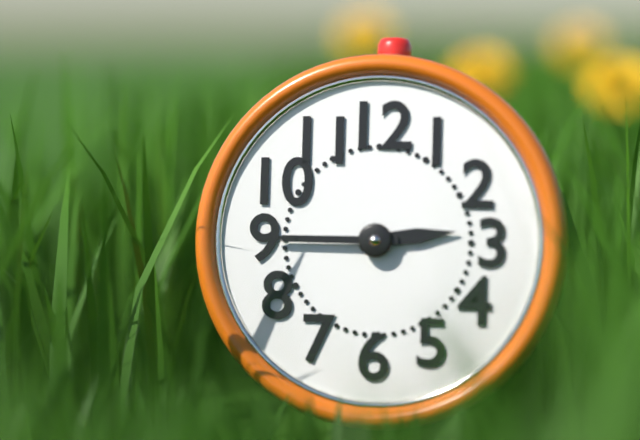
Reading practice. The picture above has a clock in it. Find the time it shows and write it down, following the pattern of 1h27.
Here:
2h45
